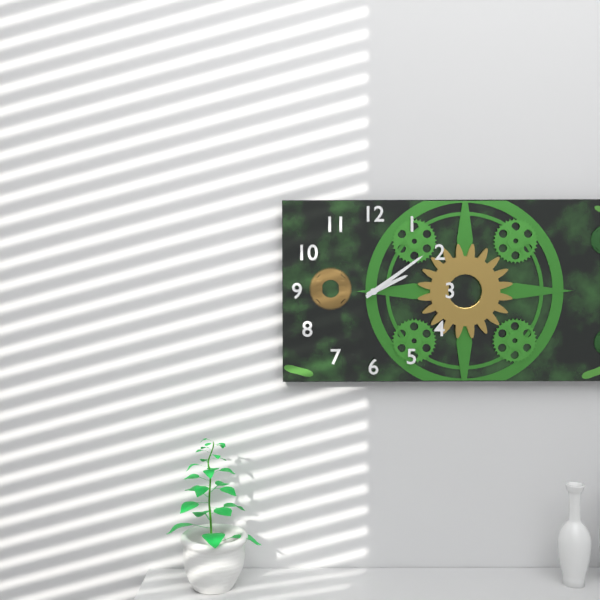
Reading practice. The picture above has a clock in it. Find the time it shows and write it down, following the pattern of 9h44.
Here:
2h09
